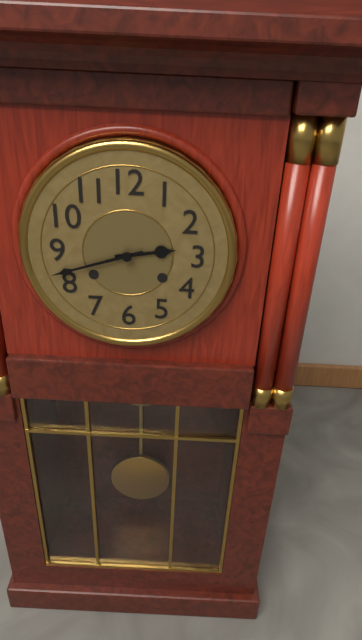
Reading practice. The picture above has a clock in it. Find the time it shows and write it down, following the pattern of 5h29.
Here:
2h42
